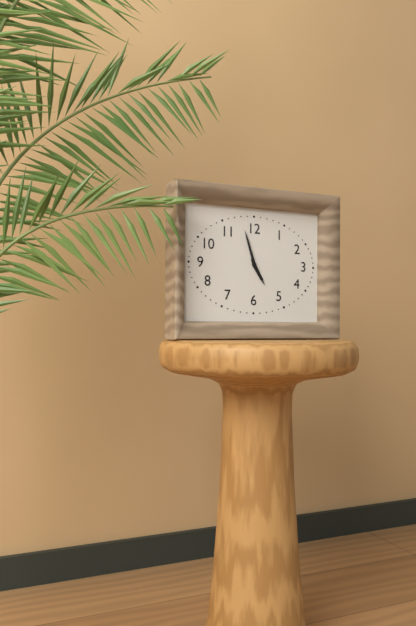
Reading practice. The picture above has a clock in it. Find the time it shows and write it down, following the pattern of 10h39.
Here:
4h57
